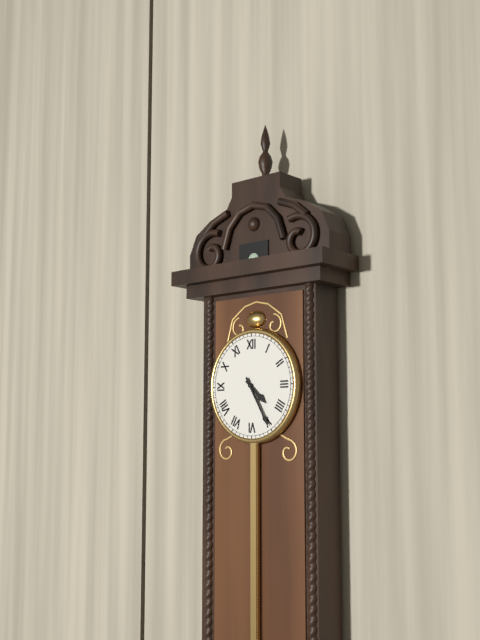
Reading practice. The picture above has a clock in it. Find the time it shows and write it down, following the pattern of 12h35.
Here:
4h25
